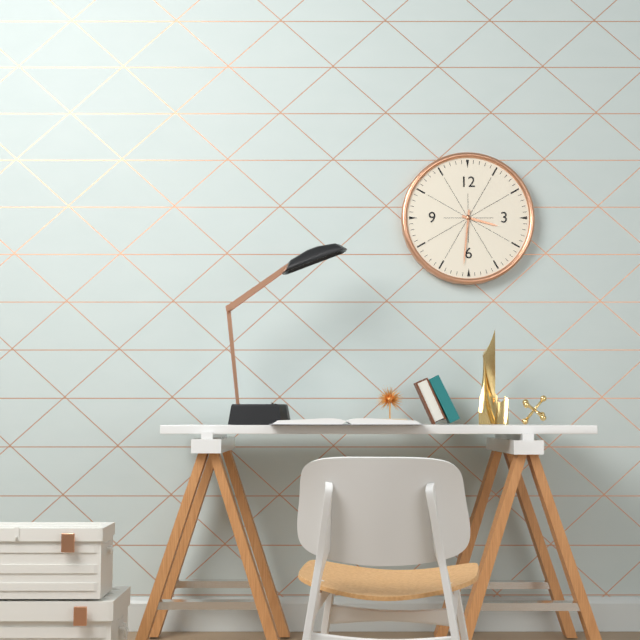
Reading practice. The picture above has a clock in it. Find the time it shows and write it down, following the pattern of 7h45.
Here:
3h31
